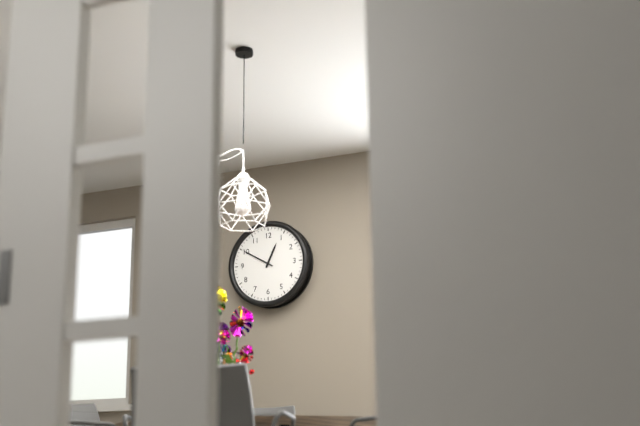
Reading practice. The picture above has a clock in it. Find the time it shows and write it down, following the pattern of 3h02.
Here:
12h50
